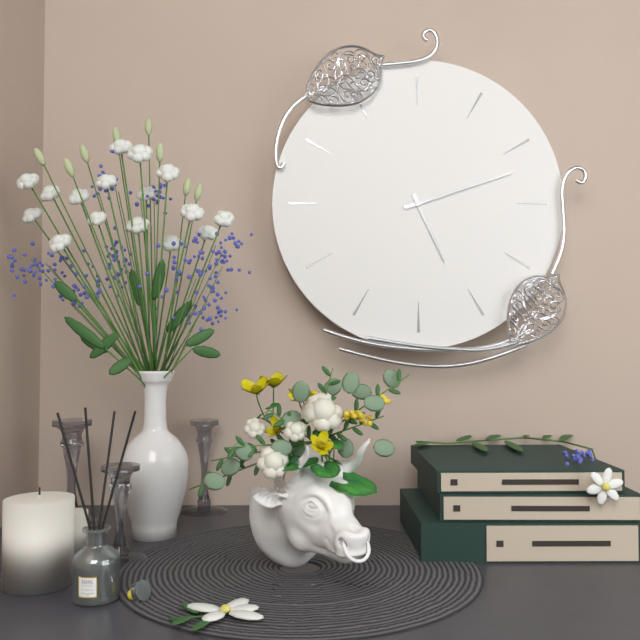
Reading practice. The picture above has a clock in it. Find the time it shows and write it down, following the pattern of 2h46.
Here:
5h12
